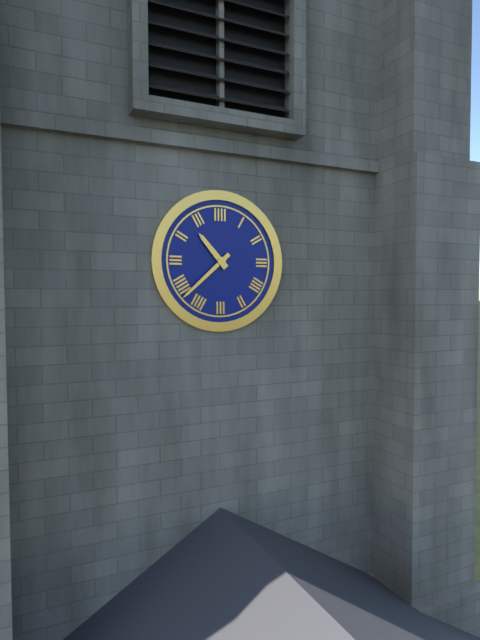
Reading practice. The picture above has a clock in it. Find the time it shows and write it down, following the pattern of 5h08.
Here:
10h38
